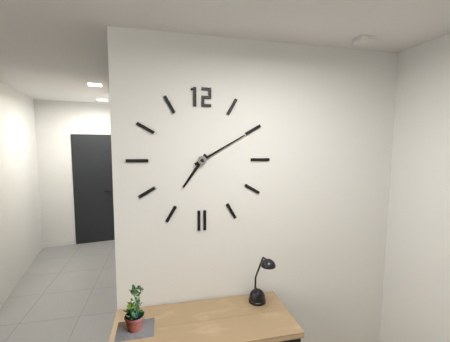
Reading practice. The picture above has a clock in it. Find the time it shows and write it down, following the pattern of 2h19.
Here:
7h10
